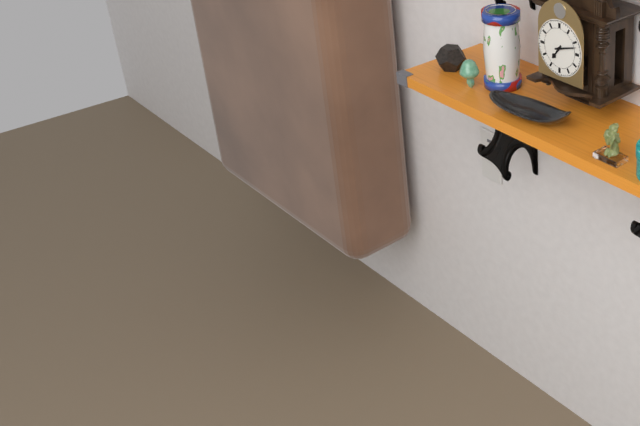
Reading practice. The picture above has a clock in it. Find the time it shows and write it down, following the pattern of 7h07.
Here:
7h12
